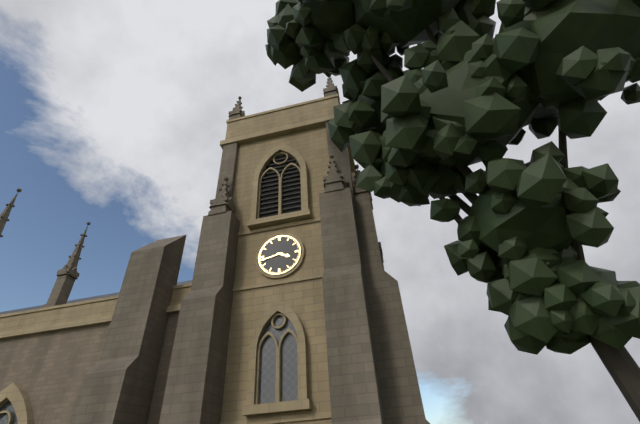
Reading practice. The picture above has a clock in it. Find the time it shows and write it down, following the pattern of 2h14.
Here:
3h43
